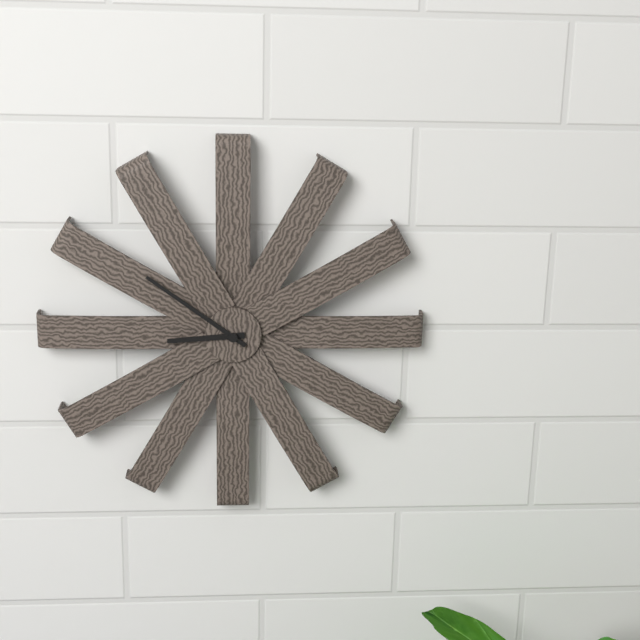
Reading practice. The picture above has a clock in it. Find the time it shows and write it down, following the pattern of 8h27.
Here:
8h51
